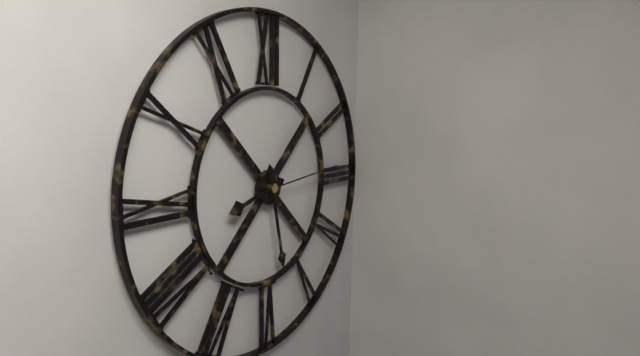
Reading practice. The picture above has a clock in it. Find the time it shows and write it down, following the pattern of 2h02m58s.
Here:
8h28m14s
